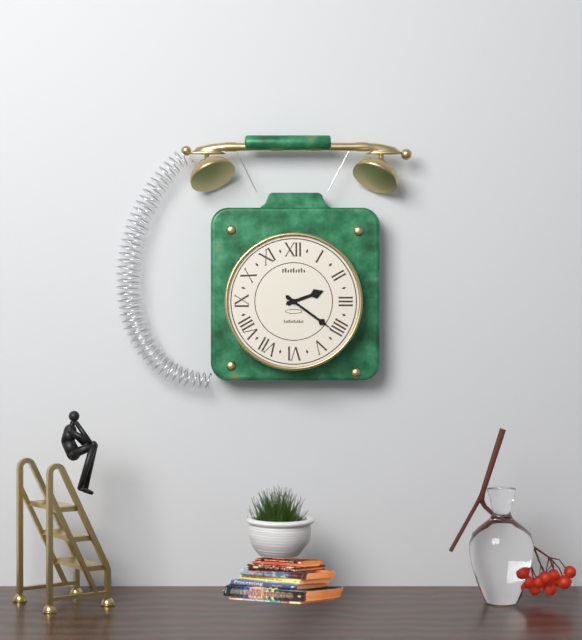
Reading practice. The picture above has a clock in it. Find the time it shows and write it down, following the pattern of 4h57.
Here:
2h21
